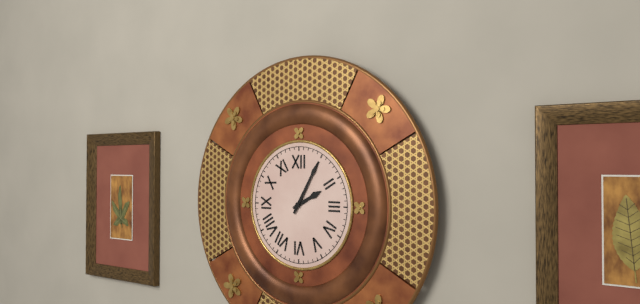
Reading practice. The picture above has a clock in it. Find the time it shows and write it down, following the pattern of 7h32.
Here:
2h05
